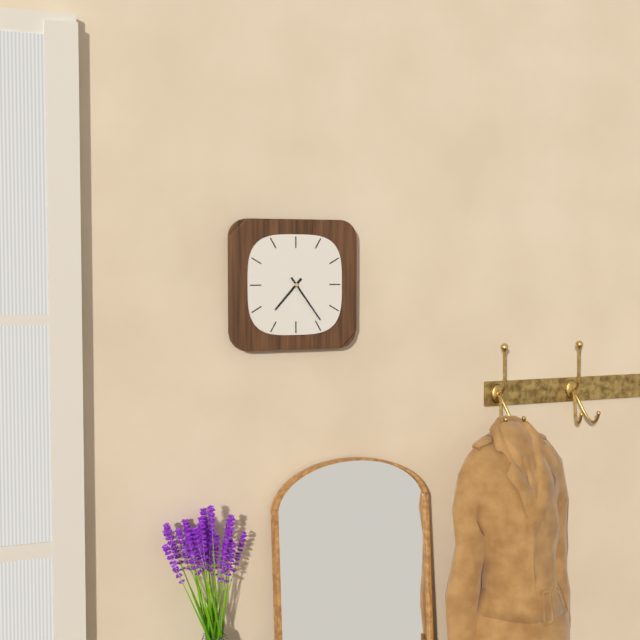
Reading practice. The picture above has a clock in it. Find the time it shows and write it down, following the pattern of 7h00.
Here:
7h24
